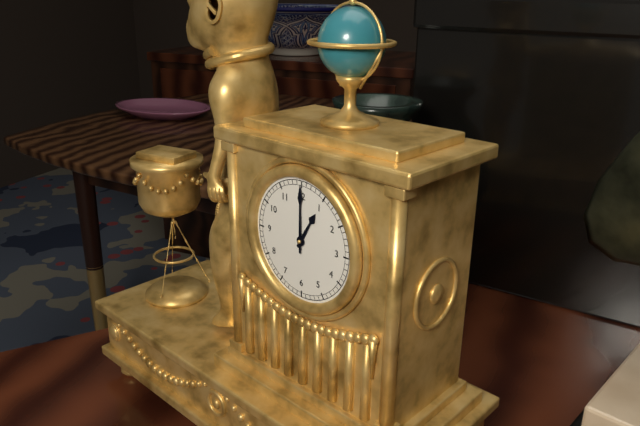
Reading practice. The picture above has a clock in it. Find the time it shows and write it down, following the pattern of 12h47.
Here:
1h00
